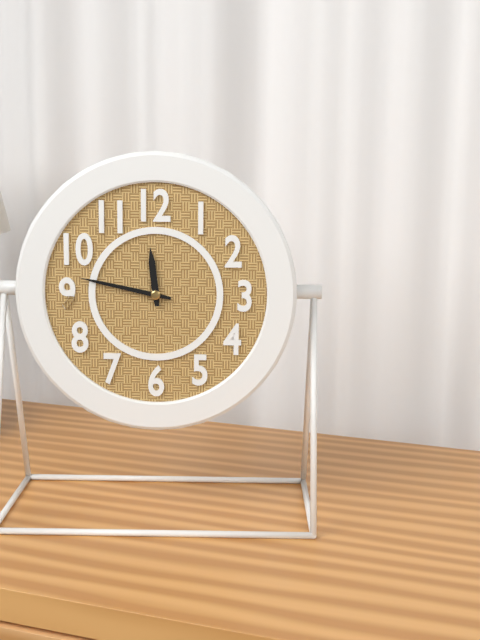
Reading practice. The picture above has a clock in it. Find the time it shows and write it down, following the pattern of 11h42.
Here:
11h47
